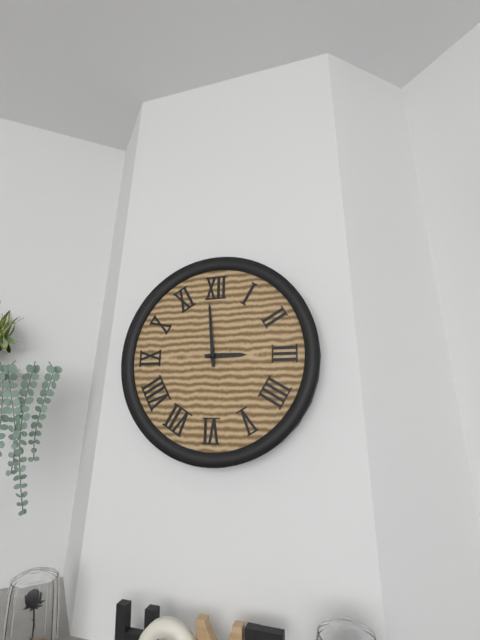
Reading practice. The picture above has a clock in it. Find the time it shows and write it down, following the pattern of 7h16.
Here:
2h59
